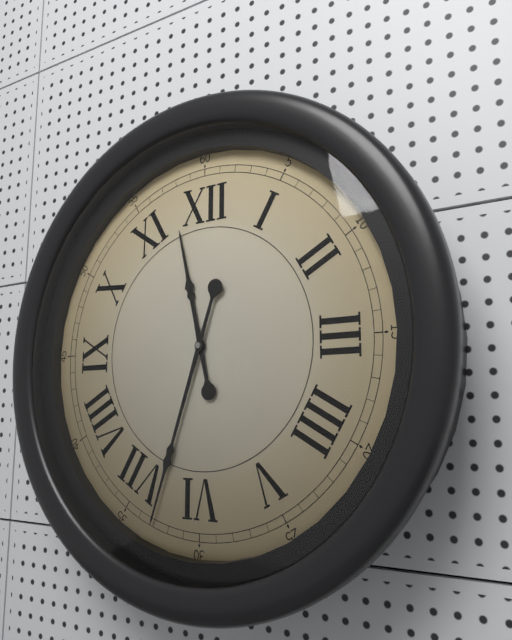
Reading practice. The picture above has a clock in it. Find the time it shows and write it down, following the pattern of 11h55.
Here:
11h33
